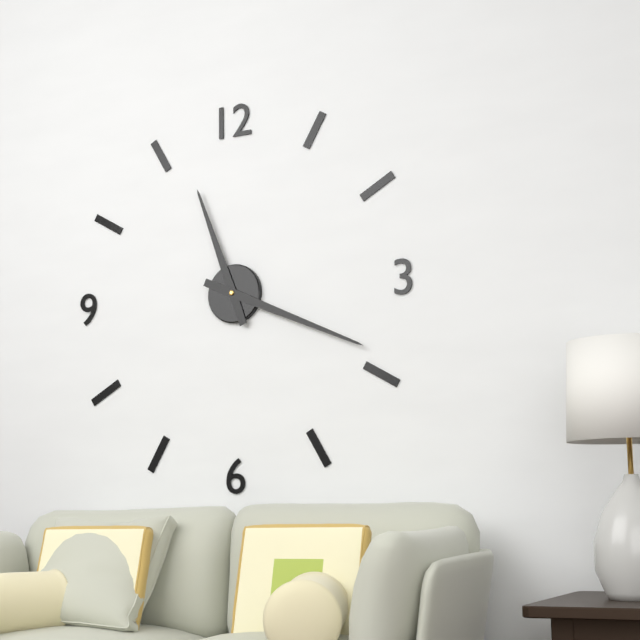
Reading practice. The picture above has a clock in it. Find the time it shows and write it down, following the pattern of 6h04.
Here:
11h19
